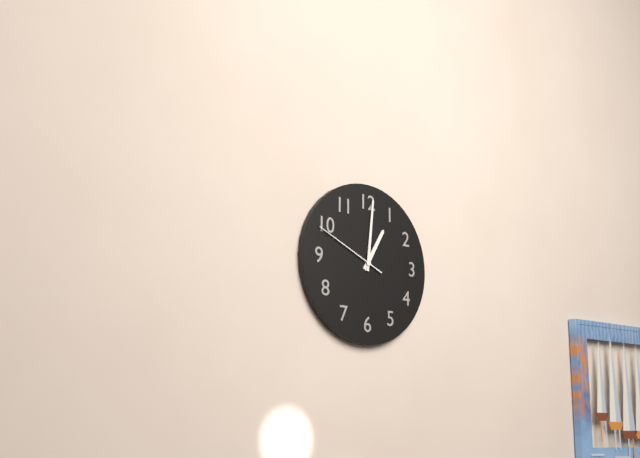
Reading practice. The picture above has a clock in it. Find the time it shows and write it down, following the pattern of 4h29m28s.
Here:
1h01m49s
